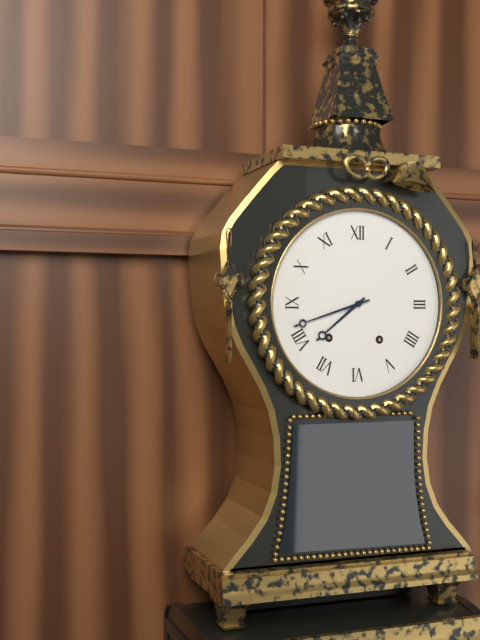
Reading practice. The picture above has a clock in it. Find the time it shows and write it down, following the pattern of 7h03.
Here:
7h42
